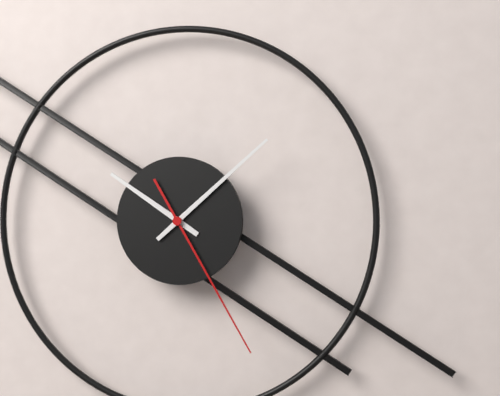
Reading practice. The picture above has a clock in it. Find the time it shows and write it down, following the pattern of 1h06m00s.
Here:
10h08m25s
